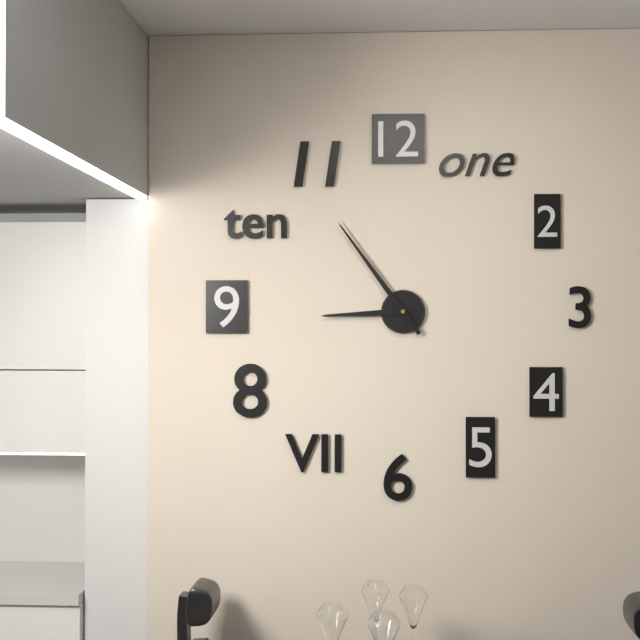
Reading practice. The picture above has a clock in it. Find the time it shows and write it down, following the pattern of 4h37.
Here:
8h54
